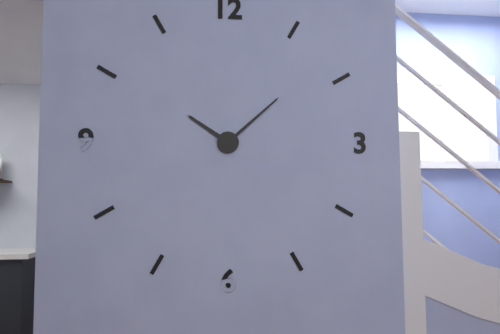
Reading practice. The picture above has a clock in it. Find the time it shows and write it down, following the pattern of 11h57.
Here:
10h08
